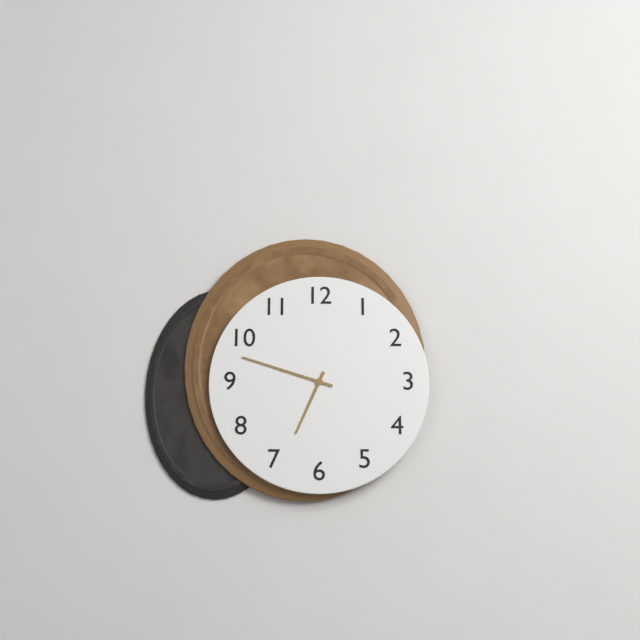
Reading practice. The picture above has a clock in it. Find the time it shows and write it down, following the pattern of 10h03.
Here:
6h48
